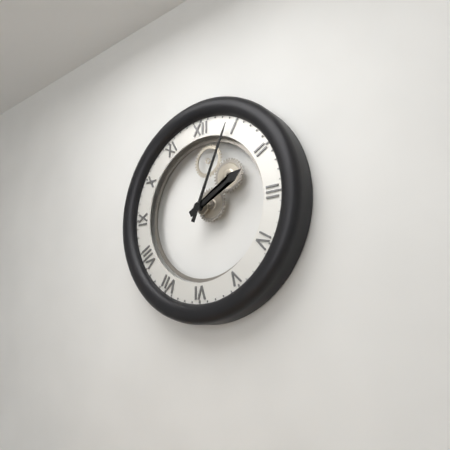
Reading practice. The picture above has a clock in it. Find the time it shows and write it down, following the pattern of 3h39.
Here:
2h04
